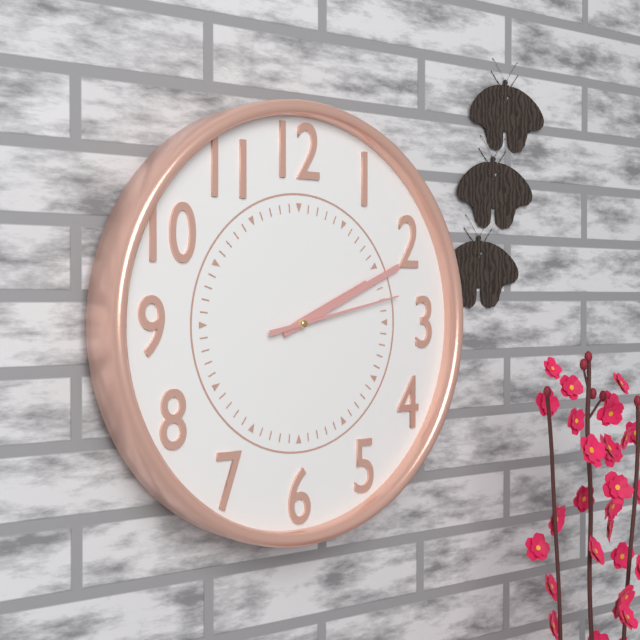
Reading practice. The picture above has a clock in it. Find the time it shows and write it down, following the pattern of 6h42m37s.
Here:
2h11m13s
